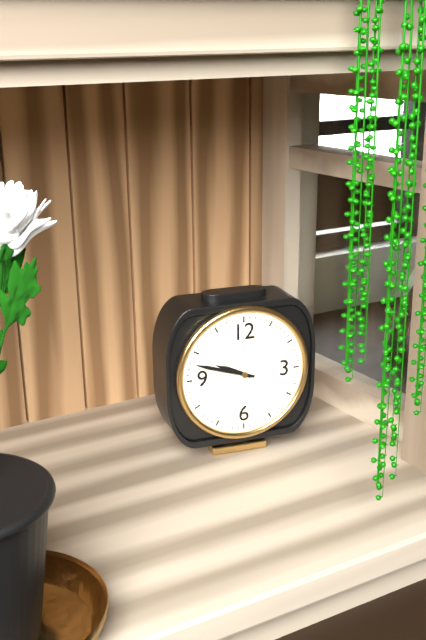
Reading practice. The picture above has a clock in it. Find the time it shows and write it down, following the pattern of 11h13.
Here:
9h48
